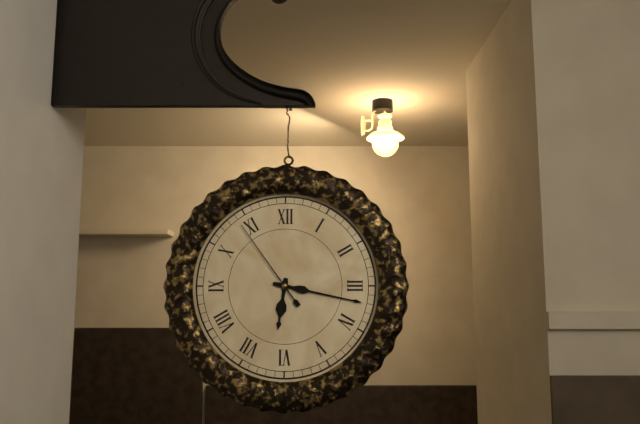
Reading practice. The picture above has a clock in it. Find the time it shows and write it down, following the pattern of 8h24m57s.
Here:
6h17m54s
